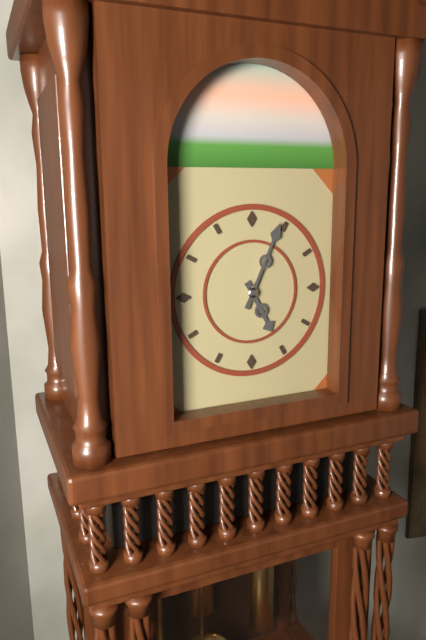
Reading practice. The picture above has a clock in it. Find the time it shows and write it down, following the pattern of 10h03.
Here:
5h04
